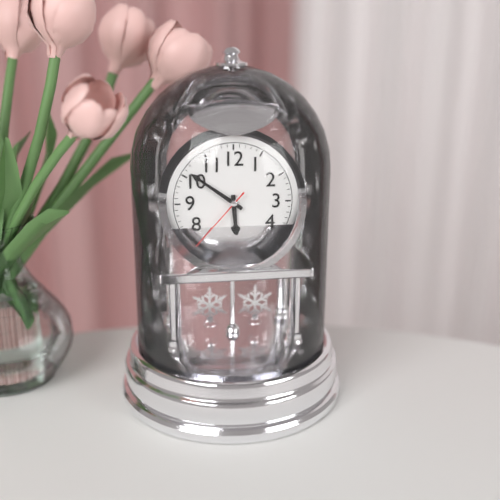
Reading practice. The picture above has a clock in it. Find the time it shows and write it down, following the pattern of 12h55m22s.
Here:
5h51m37s
